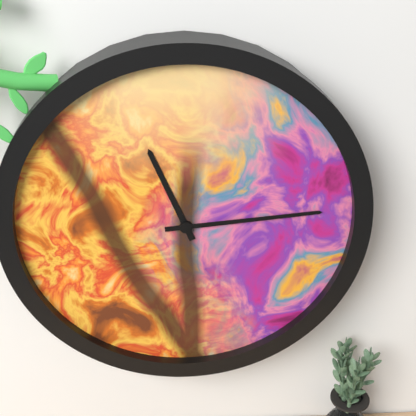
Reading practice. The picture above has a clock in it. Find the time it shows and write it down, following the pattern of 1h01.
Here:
11h14
